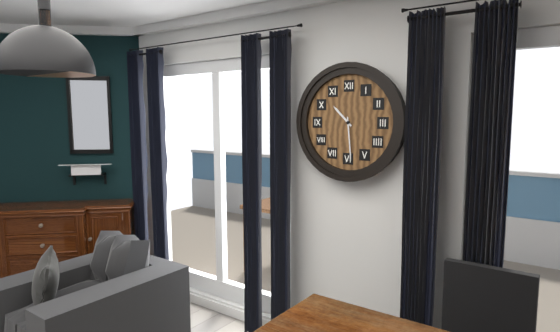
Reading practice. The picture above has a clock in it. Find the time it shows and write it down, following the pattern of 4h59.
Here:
10h29
